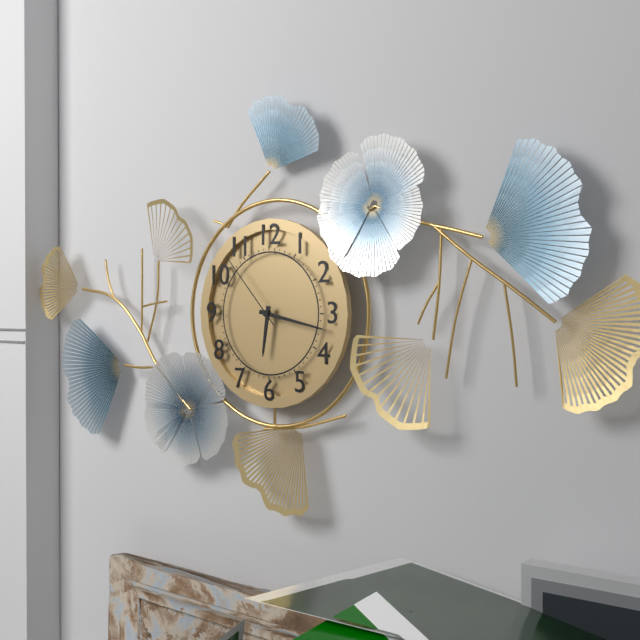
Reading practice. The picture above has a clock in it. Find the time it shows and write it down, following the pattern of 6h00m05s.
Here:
6h17m53s
